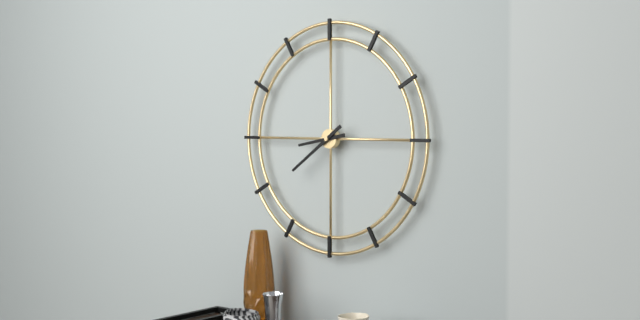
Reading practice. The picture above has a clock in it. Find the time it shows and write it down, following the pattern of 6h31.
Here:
8h39
